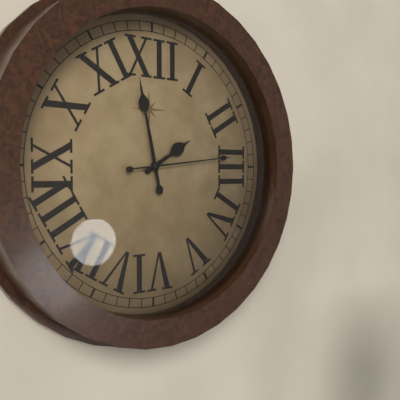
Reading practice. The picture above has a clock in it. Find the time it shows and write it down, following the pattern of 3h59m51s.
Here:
1h58m14s
